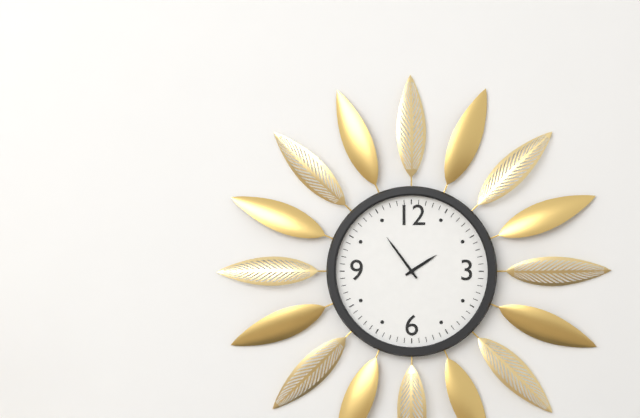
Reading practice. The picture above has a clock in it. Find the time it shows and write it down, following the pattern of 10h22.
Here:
1h54
